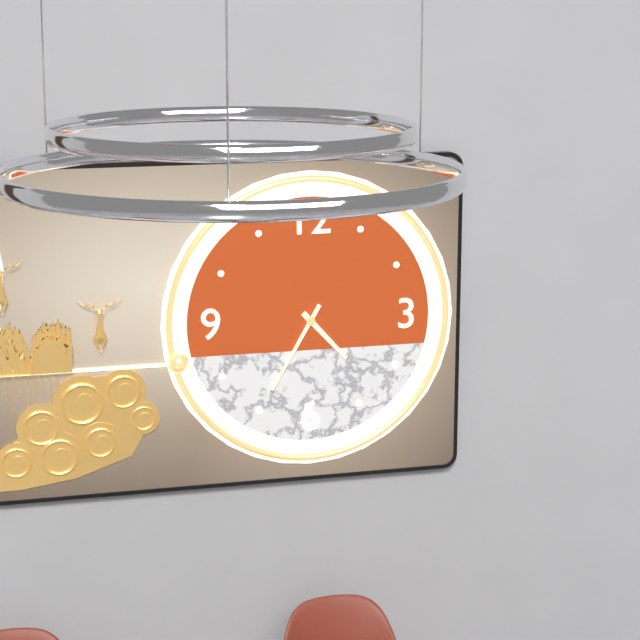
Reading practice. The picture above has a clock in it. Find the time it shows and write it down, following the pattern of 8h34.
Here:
4h35
